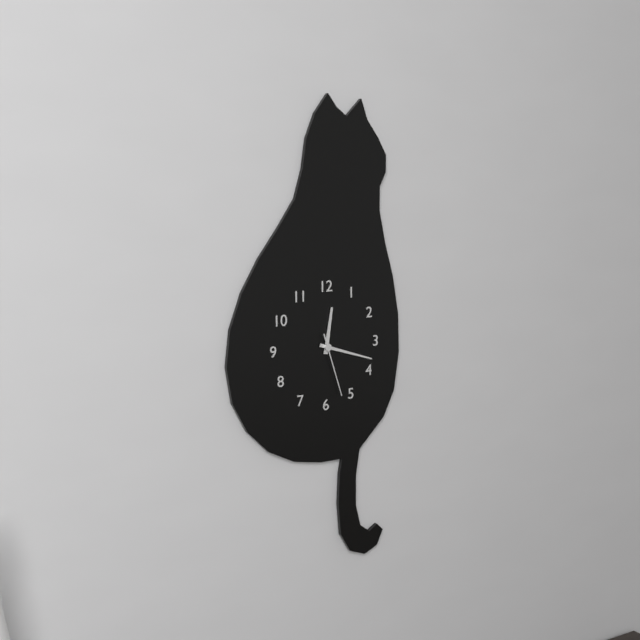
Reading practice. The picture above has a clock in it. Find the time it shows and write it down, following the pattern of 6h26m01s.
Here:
12h18m27s
